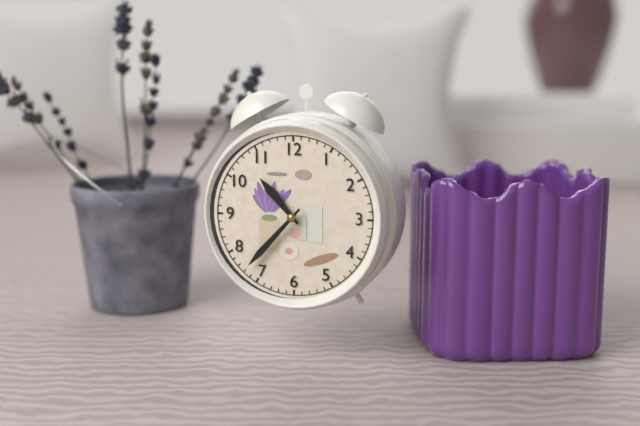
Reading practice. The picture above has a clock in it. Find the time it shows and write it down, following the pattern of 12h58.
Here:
10h37
